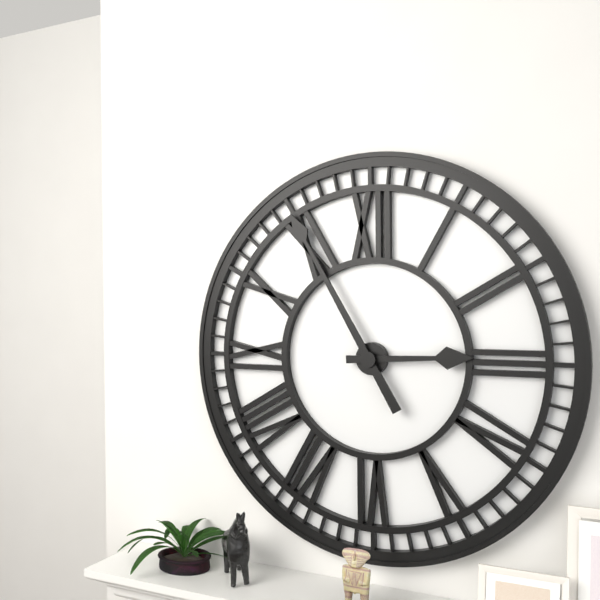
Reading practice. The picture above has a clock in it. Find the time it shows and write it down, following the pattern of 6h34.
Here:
2h55
